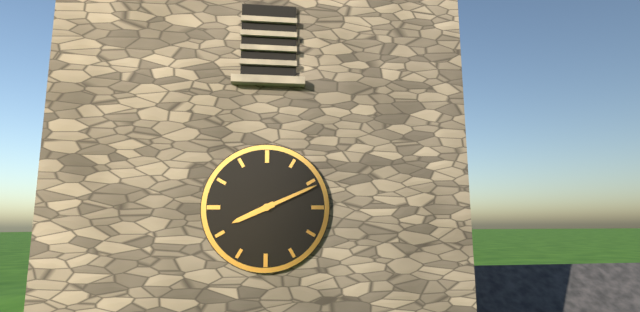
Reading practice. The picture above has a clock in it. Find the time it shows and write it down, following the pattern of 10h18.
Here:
8h11
